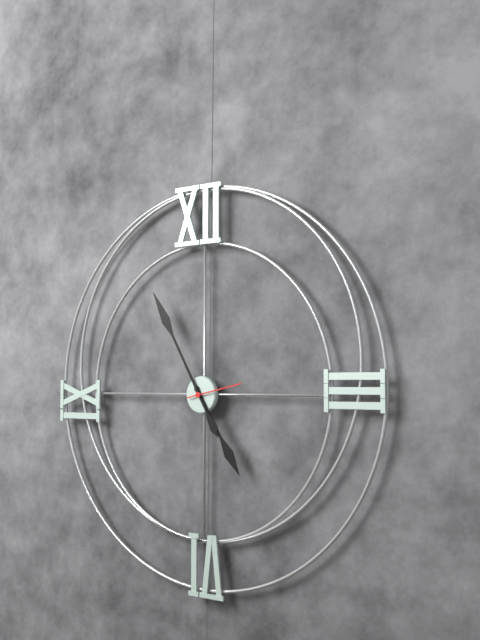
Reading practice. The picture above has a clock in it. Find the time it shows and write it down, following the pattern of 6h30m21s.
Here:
4h55m13s
